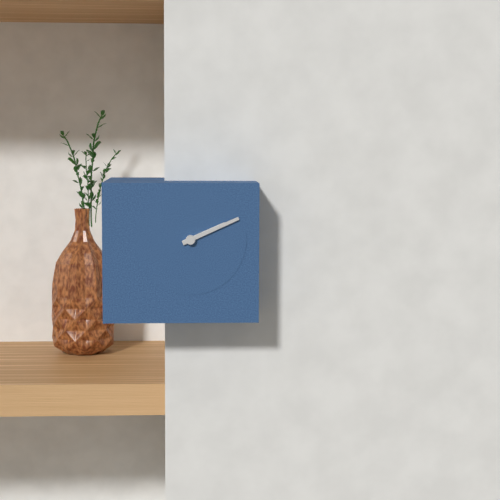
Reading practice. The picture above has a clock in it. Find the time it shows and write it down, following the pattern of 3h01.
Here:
2h11
